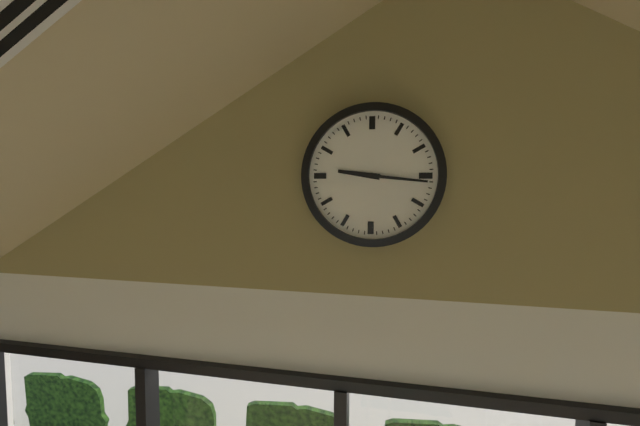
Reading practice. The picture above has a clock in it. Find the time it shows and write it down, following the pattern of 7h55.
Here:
9h16
